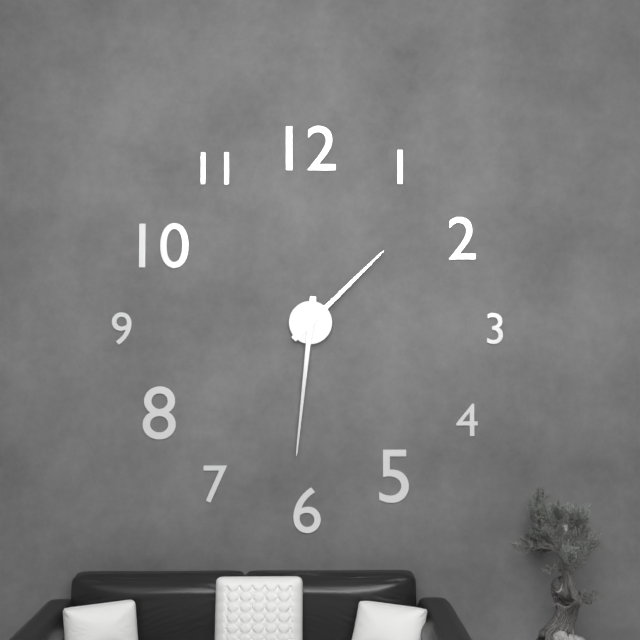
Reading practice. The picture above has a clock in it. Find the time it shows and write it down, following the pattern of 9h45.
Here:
1h31
